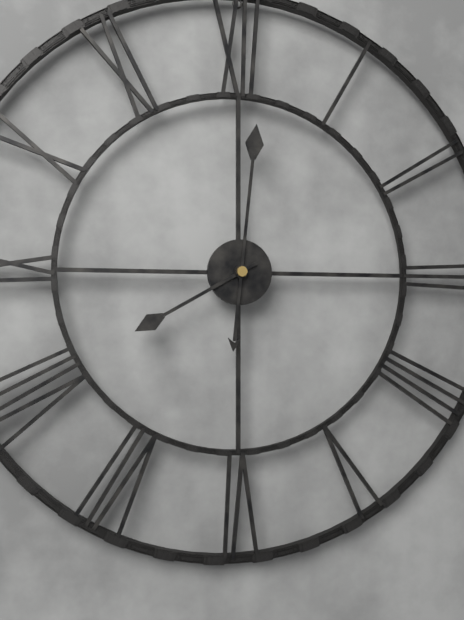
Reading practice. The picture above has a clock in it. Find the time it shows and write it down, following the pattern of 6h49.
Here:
8h01
